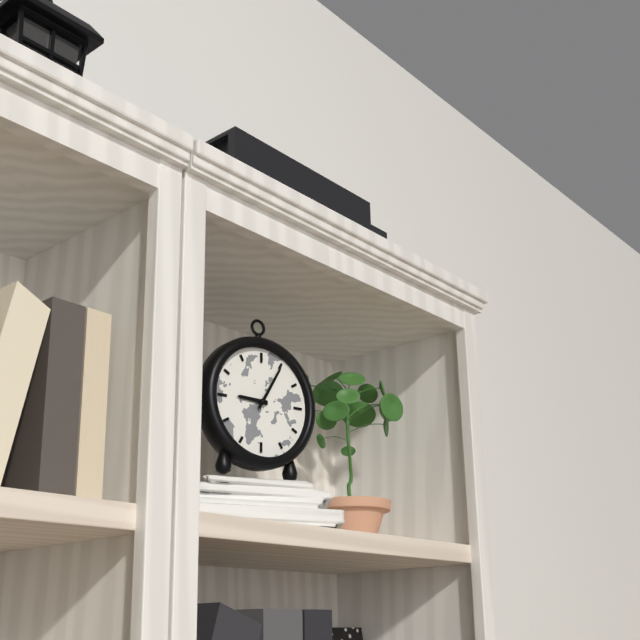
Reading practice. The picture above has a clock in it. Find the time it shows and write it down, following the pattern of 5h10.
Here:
9h05
